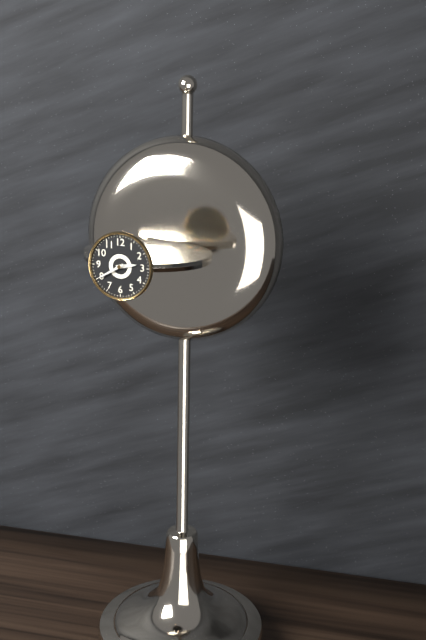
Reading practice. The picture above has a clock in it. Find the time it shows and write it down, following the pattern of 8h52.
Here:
2h40
